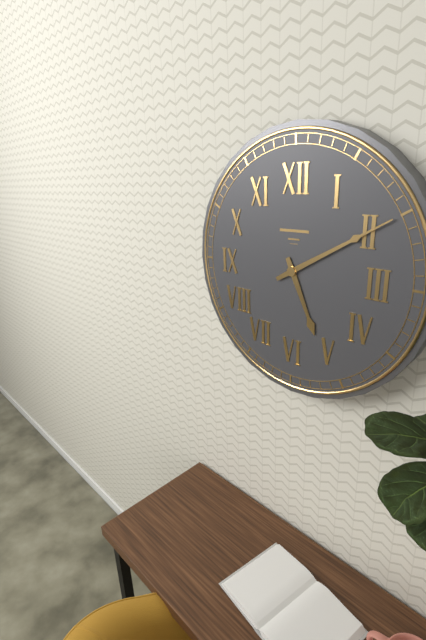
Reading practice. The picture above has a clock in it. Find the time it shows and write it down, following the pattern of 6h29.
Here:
5h10
